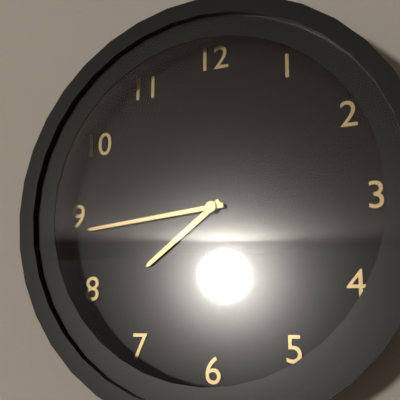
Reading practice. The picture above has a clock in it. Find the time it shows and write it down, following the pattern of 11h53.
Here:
7h44
